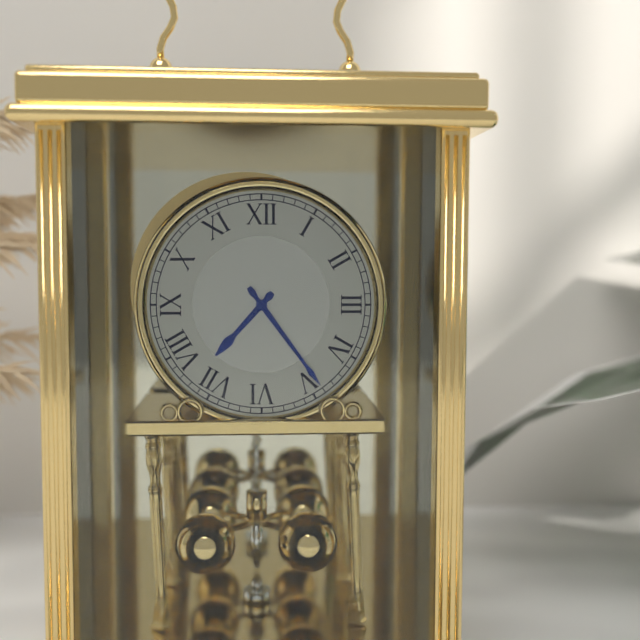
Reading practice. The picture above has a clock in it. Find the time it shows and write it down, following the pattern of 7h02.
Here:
7h24
